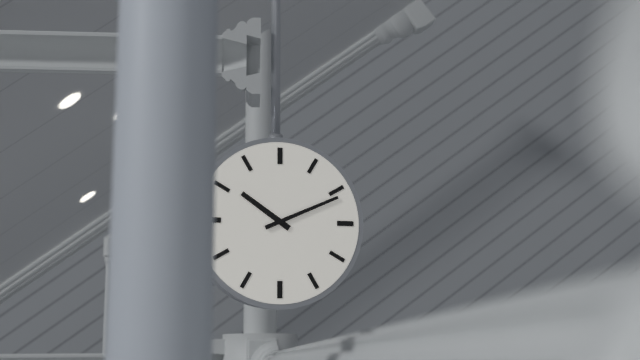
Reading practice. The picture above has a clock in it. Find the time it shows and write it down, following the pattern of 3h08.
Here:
10h11
